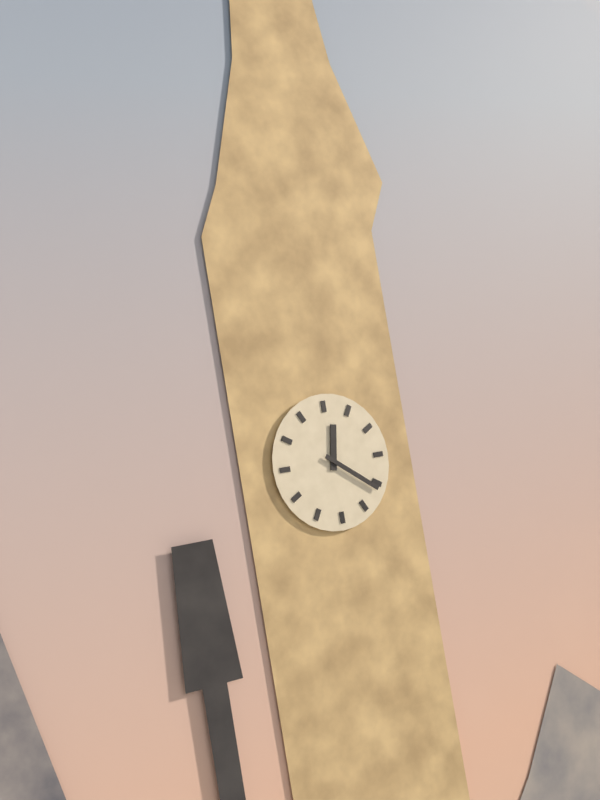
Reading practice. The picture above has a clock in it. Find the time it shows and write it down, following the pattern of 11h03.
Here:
12h21
